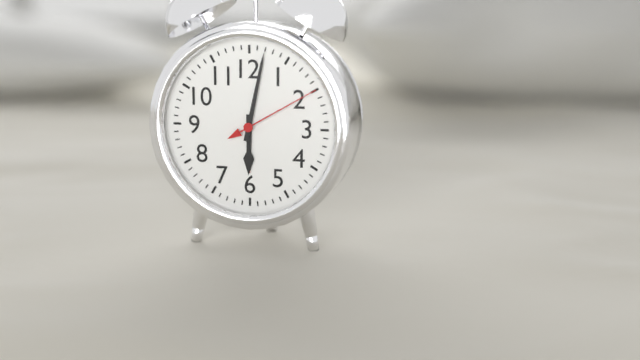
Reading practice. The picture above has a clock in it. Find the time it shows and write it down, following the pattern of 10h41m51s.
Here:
6h02m10s
